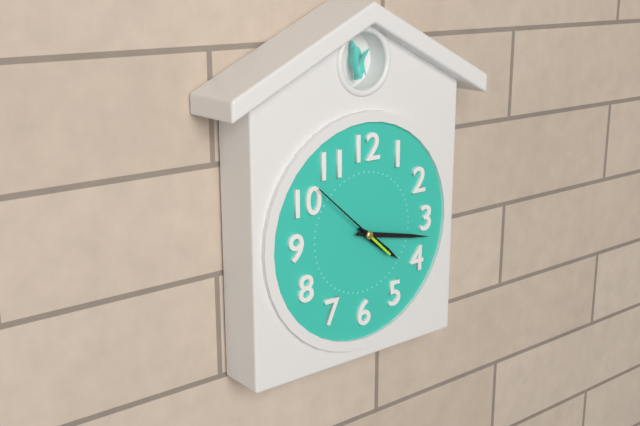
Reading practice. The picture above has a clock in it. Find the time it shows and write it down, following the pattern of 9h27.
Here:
4h17
